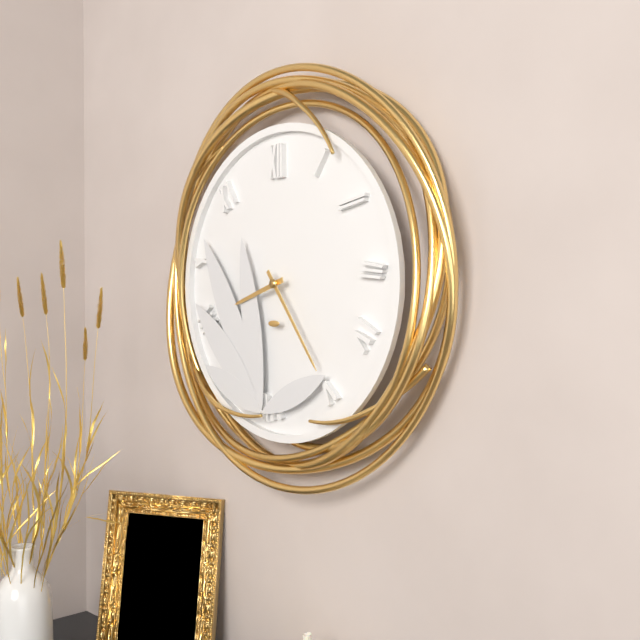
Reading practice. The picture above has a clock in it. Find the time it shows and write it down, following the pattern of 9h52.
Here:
8h24
